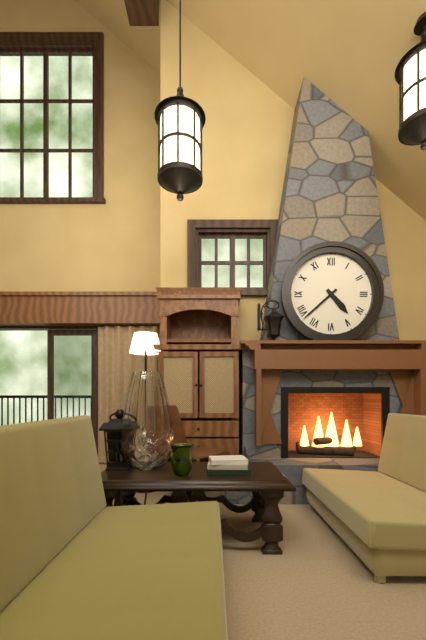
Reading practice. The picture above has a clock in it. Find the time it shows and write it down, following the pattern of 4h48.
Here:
4h38
